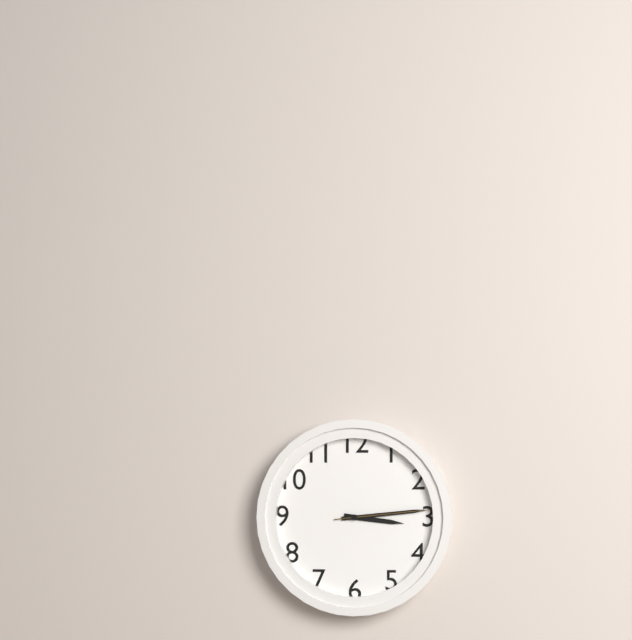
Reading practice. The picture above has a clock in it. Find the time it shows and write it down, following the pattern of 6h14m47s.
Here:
3h14m14s
